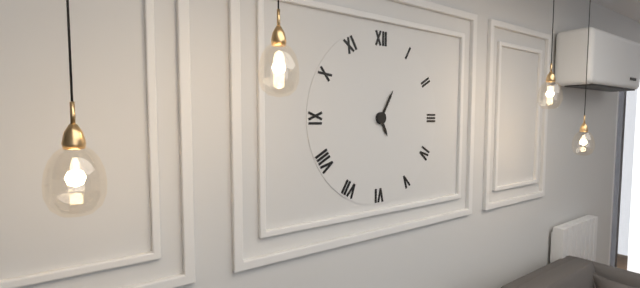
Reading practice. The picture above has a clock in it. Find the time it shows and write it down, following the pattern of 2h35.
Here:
5h05
